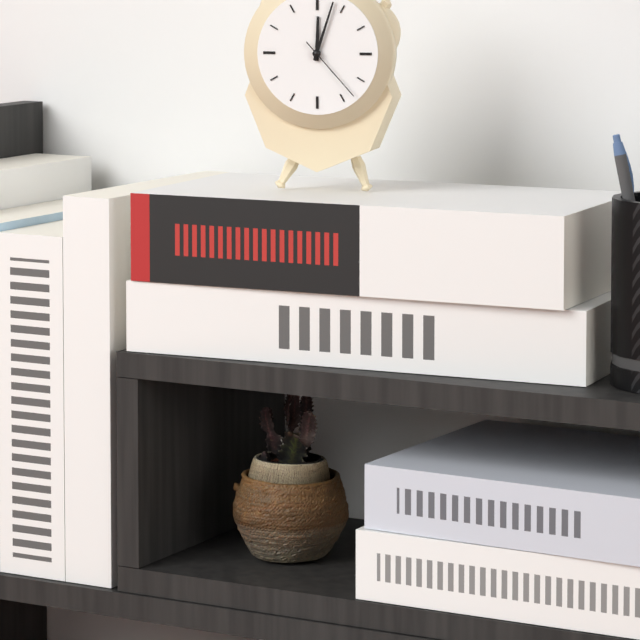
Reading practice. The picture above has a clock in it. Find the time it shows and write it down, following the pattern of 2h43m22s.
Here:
12h03m23s
